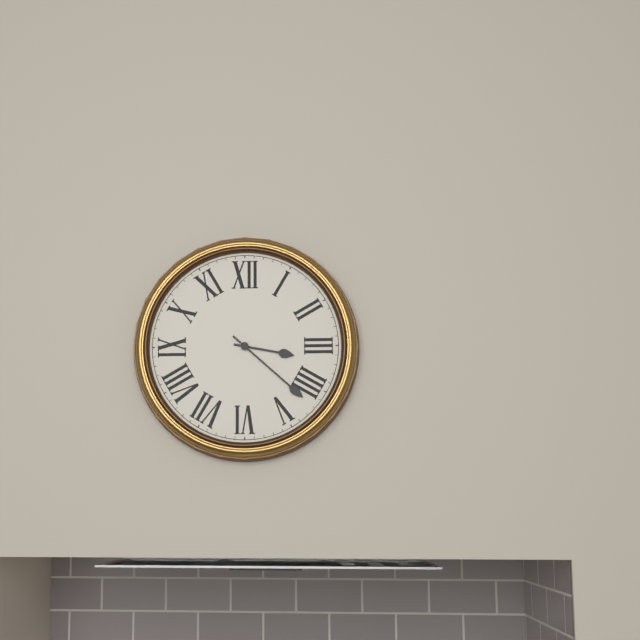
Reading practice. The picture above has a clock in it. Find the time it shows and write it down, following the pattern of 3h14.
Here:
3h22
